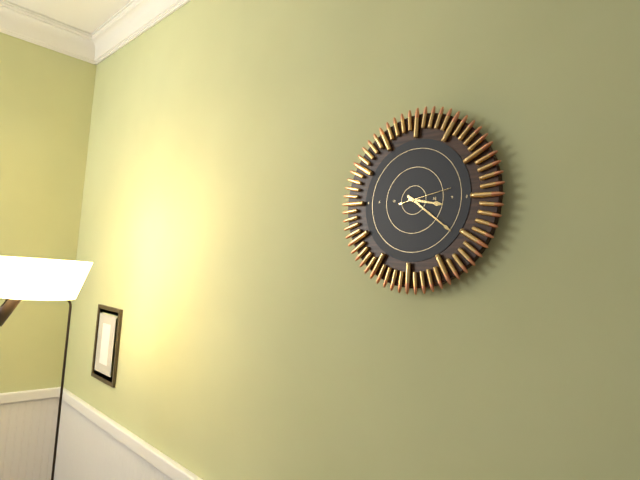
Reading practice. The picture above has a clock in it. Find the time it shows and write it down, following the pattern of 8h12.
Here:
3h21
